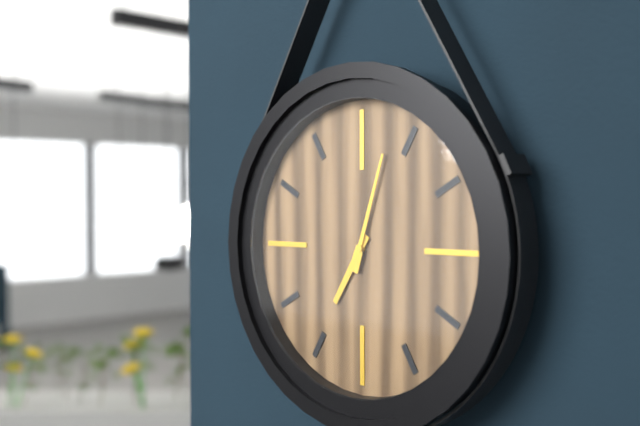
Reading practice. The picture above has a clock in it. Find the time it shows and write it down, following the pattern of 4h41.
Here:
7h03
